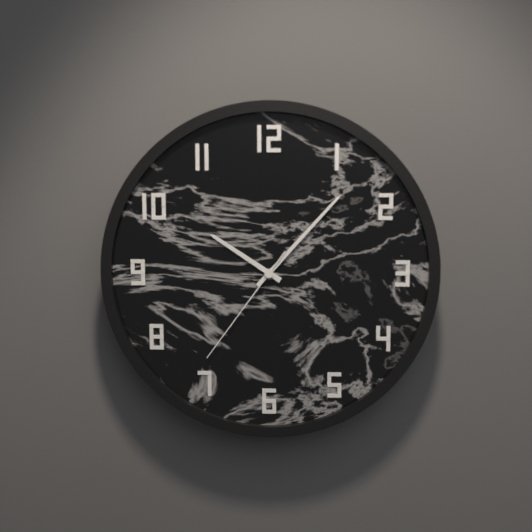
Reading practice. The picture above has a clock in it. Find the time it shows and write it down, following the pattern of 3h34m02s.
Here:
10h07m36s
